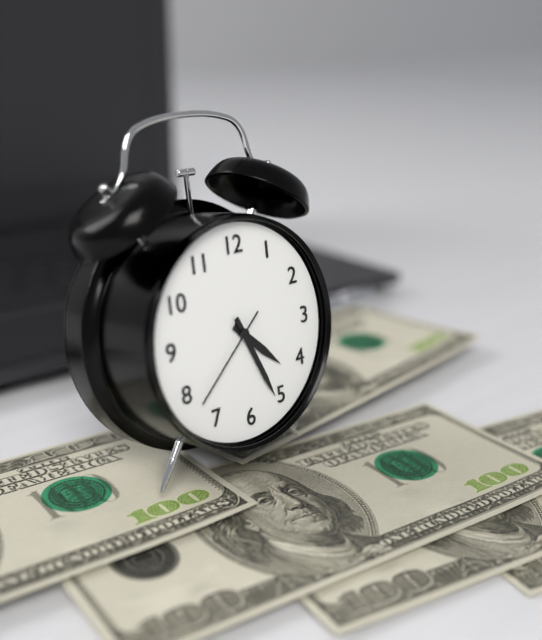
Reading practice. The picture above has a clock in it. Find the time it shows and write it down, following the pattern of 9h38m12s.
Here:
4h26m38s
